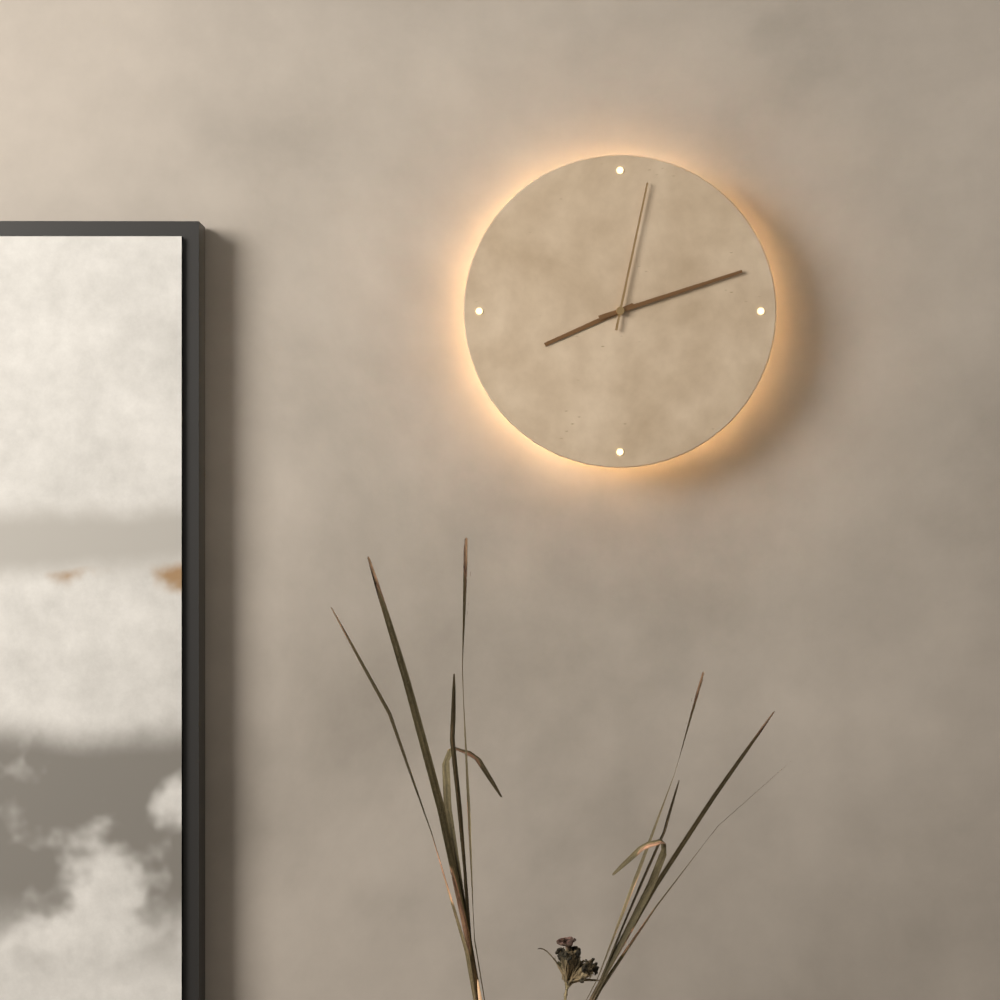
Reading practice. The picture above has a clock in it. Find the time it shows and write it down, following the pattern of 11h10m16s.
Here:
8h12m02s
